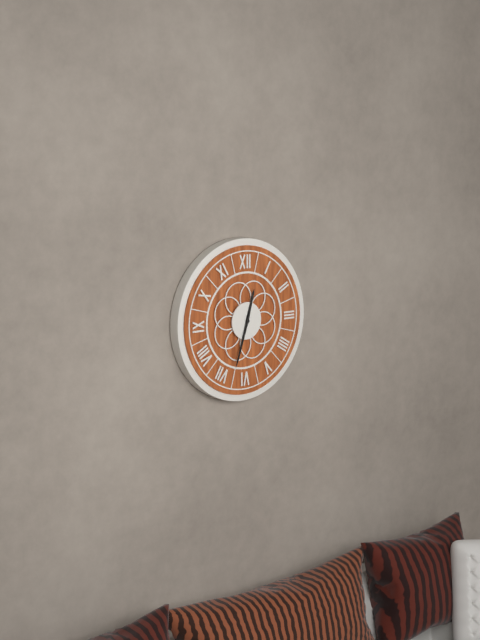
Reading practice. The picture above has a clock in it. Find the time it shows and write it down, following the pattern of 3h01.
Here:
12h33
